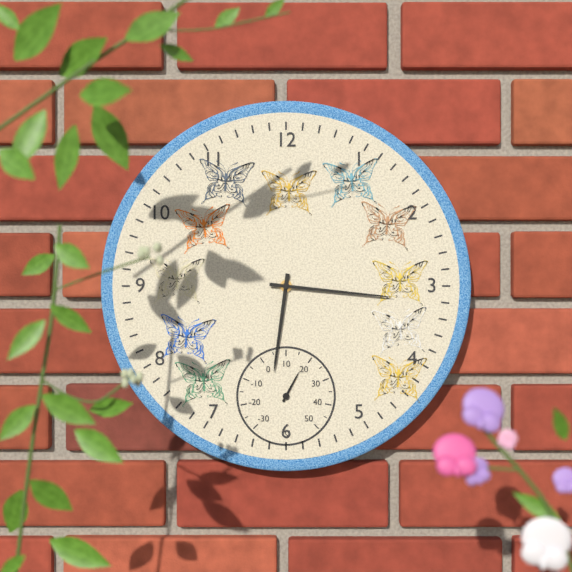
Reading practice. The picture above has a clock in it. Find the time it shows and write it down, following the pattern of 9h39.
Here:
6h16
